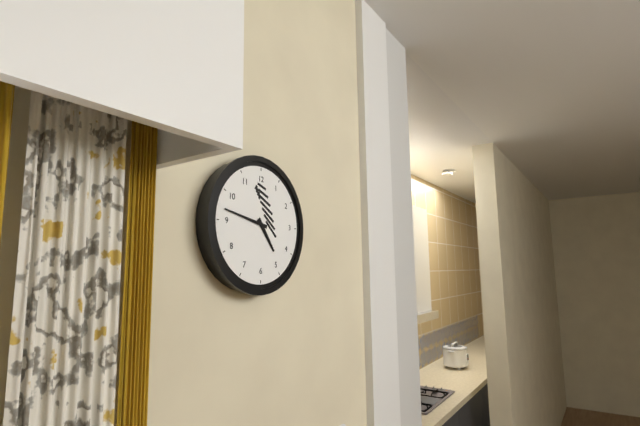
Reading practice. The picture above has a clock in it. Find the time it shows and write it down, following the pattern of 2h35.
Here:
4h47
